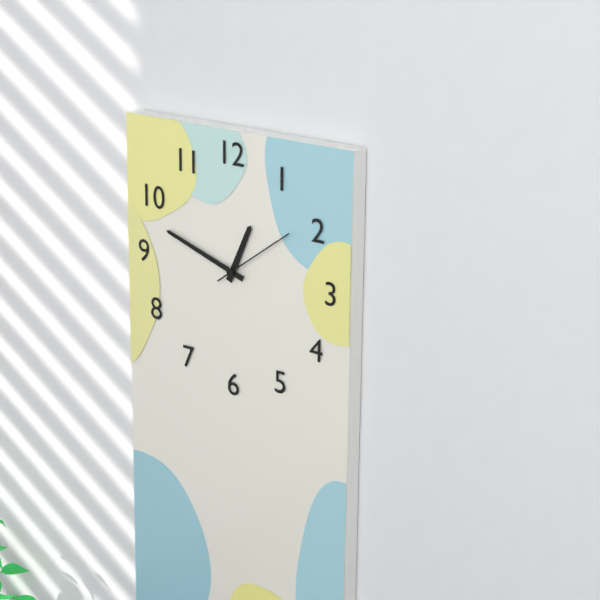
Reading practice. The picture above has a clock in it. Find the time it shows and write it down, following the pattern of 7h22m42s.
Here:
12h48m09s
